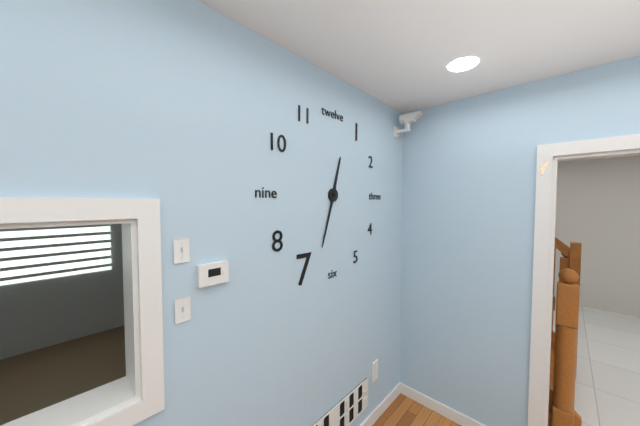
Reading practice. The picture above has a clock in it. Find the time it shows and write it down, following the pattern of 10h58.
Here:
12h33
